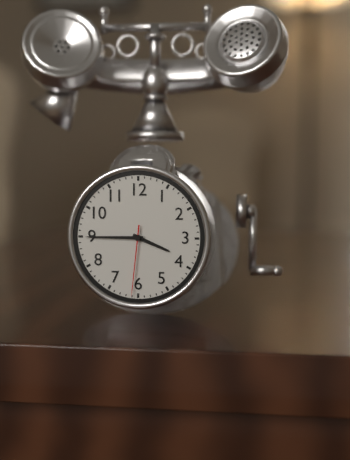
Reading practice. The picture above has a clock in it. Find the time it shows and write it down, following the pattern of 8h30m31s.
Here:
3h45m31s
